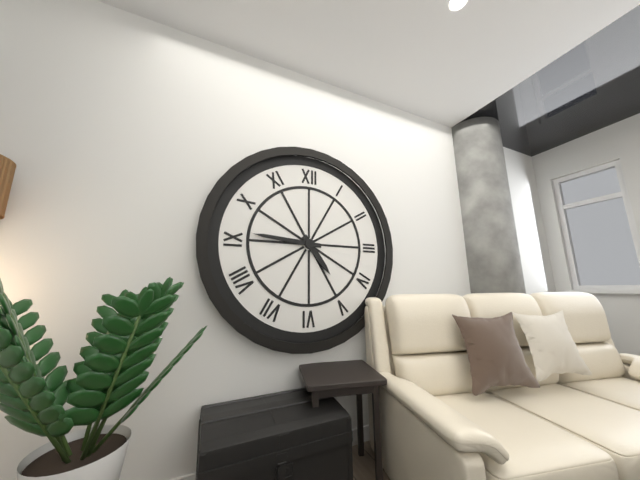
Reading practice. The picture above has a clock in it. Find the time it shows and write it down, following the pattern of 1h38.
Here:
4h46
